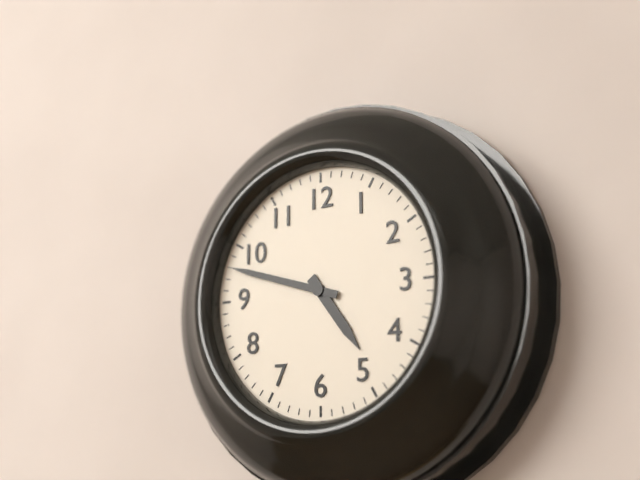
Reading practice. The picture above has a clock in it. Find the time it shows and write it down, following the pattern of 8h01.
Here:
4h48
